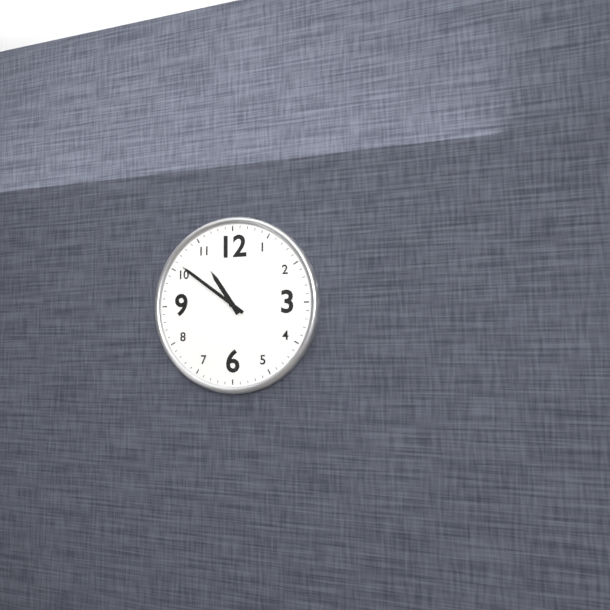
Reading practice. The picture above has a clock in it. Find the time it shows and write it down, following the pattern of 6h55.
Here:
10h51
